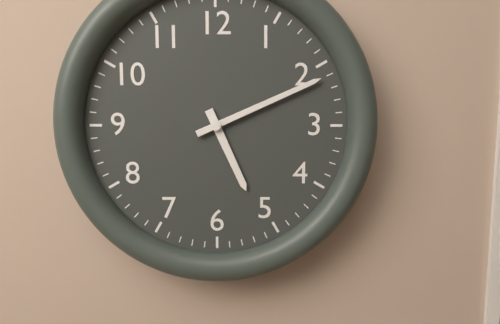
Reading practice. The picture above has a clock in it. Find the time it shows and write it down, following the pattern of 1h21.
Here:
5h11
